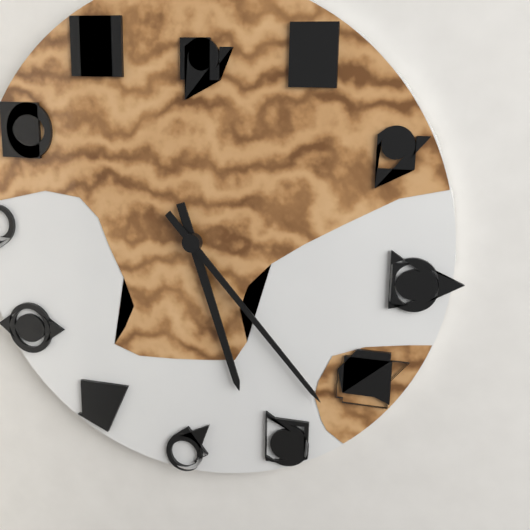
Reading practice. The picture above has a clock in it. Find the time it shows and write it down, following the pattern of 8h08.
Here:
5h23
